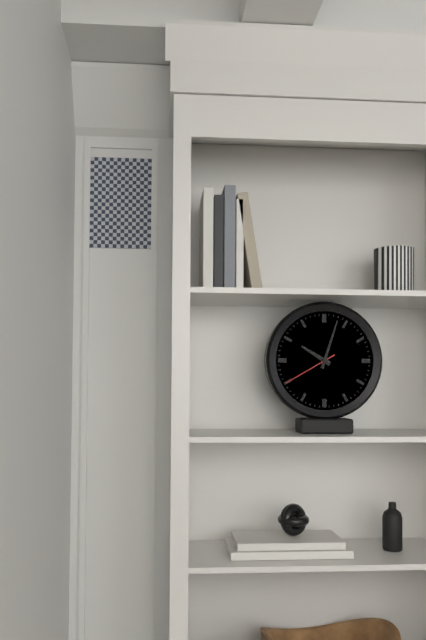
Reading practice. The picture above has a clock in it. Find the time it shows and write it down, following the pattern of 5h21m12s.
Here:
10h03m40s
